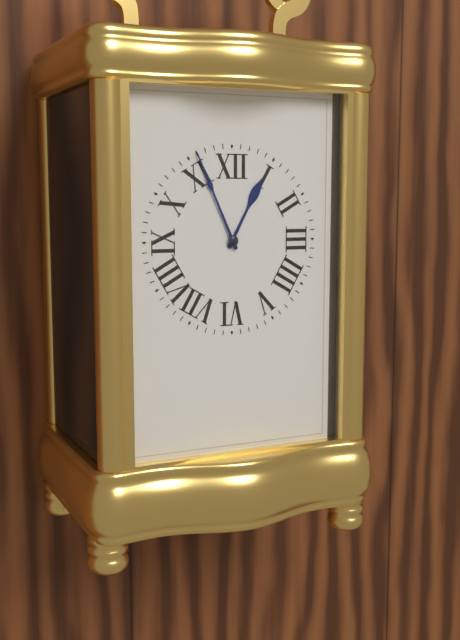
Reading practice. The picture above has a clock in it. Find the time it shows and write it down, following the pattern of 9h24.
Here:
12h56
